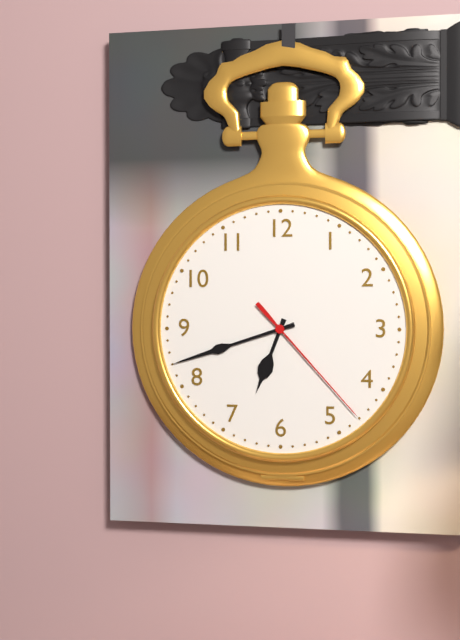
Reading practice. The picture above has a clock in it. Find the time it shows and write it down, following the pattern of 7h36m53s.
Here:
6h42m23s
